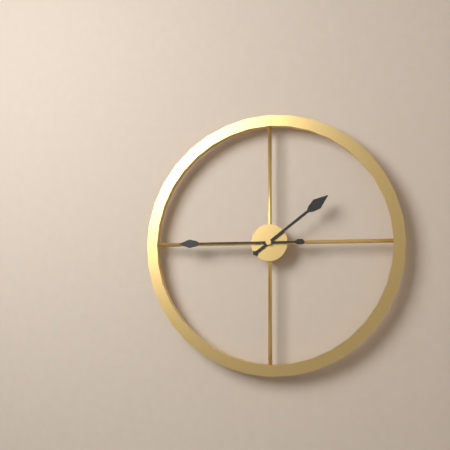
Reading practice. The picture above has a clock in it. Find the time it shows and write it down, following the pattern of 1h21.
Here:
1h45
